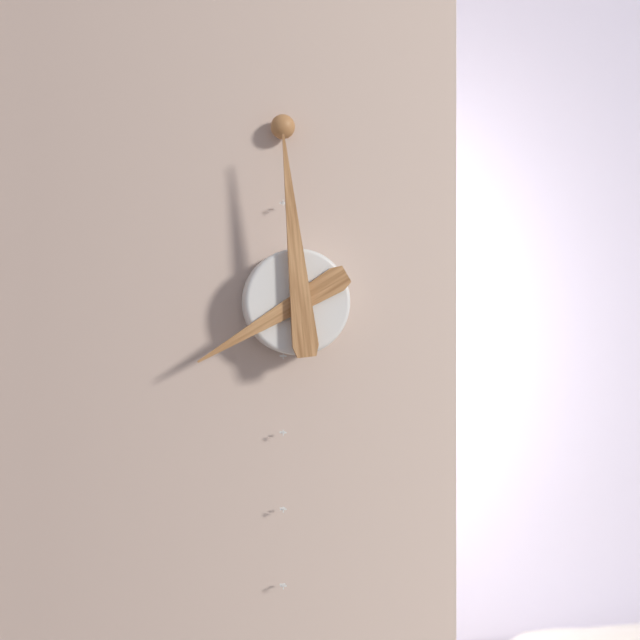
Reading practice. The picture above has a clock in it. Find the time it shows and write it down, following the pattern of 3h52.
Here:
7h59
